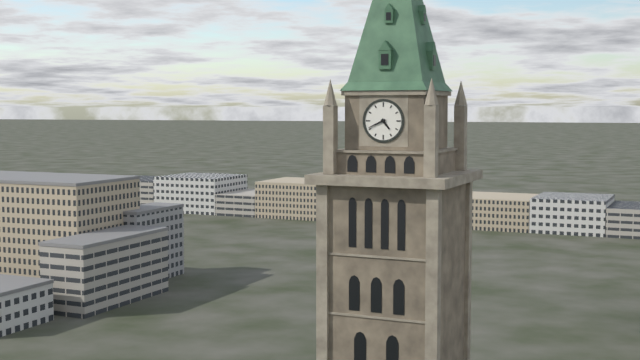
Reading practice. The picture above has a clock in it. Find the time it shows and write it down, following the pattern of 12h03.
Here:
4h41
